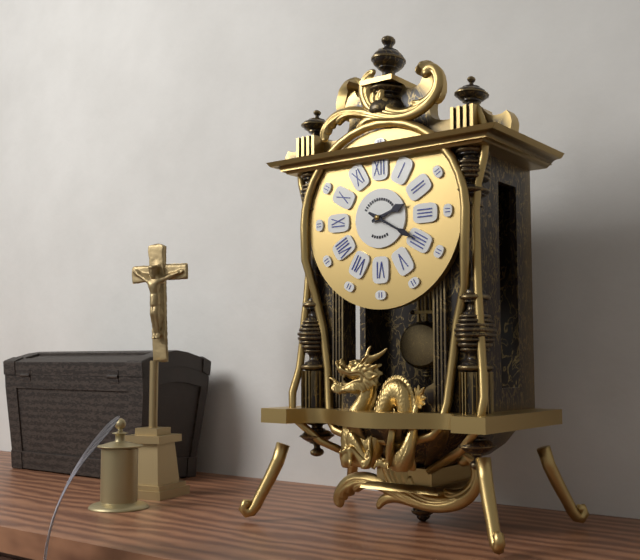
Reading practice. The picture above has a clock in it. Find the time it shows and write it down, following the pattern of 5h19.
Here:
2h20
